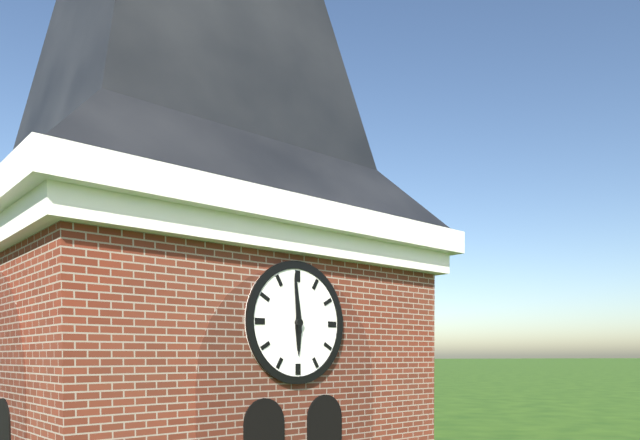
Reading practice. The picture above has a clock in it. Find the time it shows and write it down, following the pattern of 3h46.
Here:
5h59
